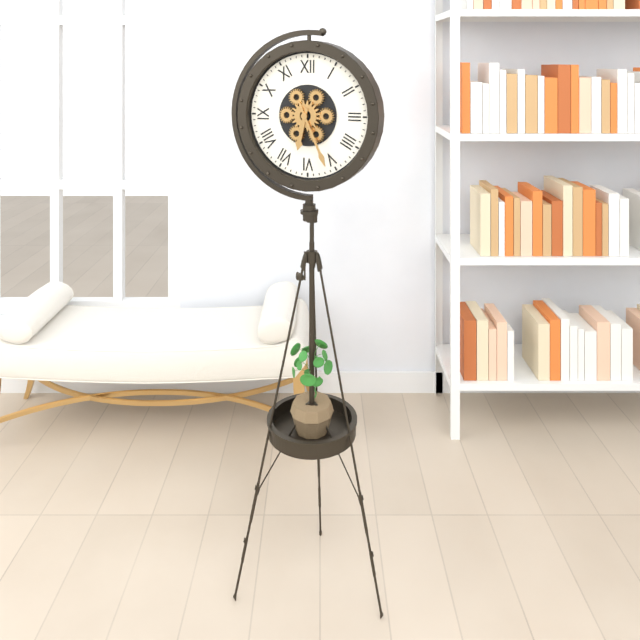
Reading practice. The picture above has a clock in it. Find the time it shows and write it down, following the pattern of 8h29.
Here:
6h26
